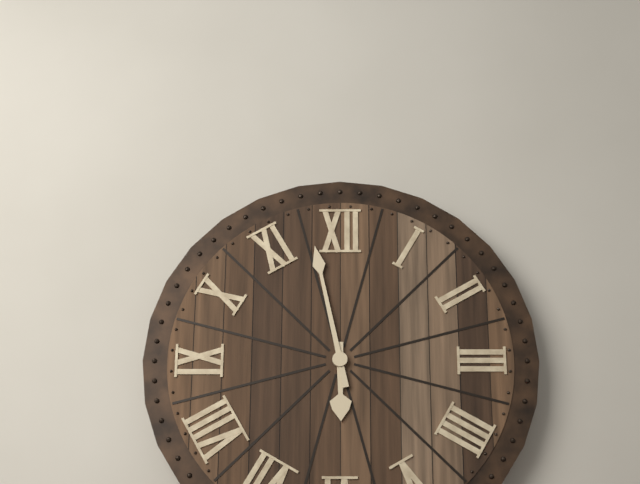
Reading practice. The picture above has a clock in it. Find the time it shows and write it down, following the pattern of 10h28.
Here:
5h58
